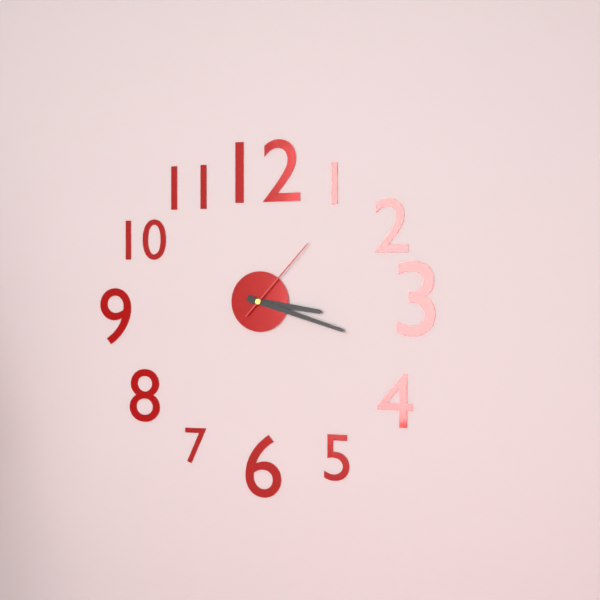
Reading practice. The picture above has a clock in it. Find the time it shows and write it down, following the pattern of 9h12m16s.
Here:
3h18m07s
